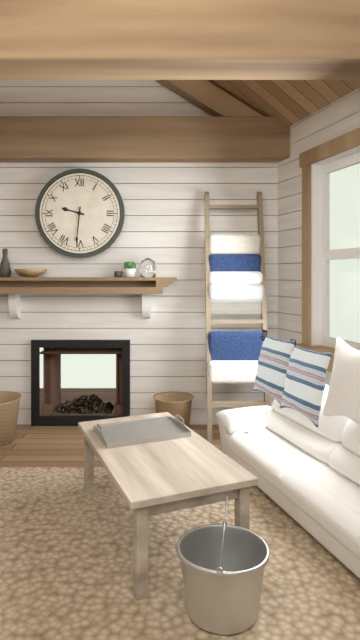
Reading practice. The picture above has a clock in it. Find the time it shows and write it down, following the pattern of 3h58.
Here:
9h31
